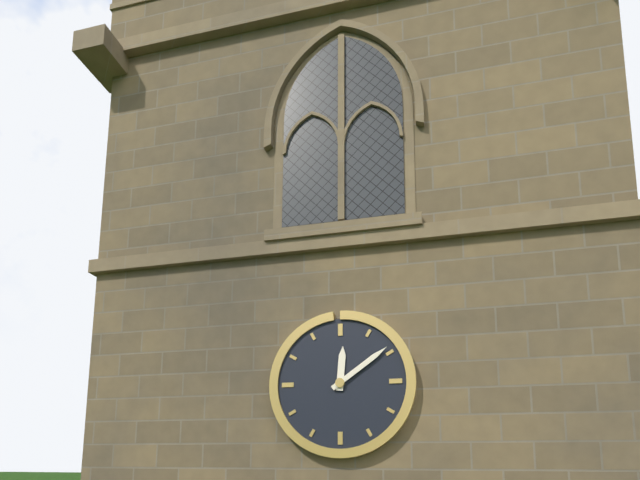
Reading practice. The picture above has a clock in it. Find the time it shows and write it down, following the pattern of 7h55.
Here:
12h09
